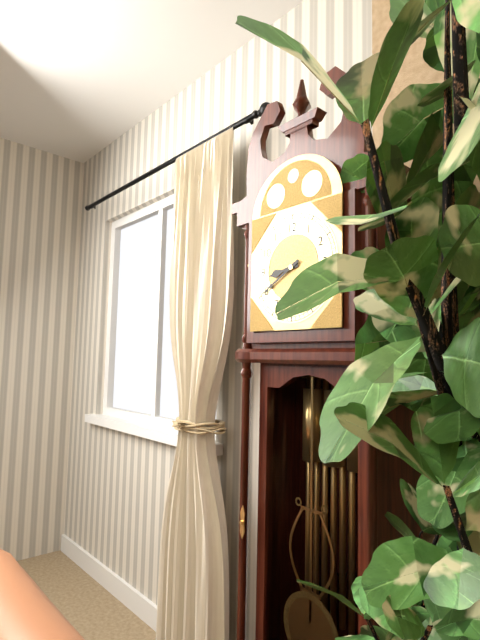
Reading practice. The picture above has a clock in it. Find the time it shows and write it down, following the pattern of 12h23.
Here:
8h40
